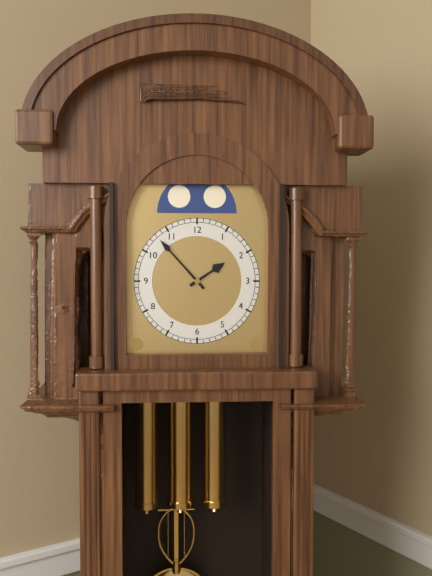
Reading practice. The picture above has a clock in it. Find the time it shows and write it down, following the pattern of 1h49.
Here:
1h53
